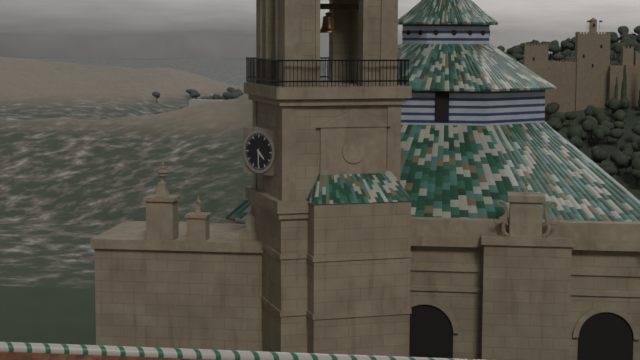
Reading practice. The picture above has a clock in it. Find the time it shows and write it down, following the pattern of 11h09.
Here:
4h30
